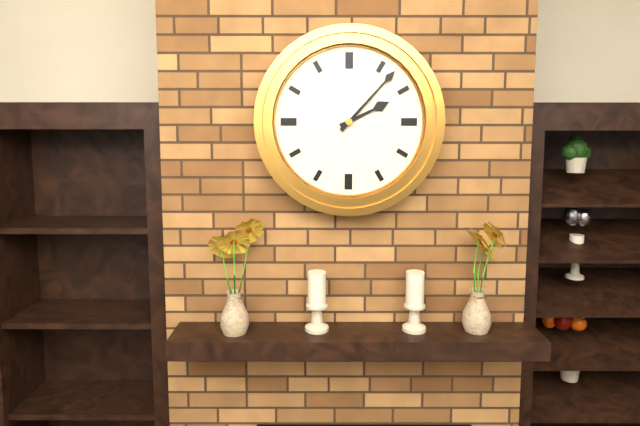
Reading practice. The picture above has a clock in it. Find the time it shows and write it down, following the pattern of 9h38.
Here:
2h07
